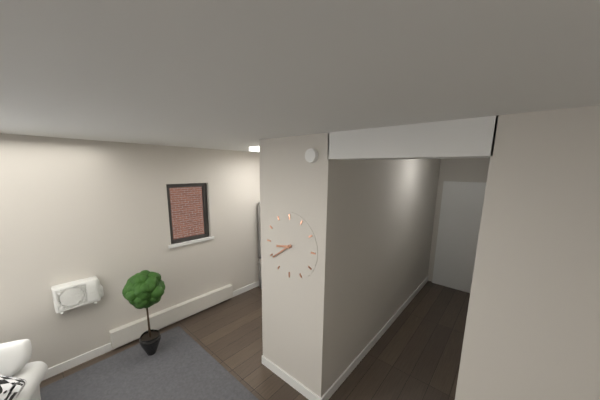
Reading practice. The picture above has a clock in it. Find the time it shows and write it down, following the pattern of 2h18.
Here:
8h39
